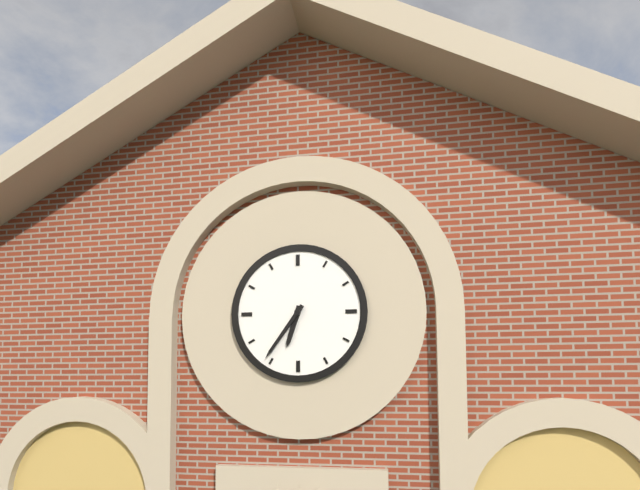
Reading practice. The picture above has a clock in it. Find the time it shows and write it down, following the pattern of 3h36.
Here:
6h36
